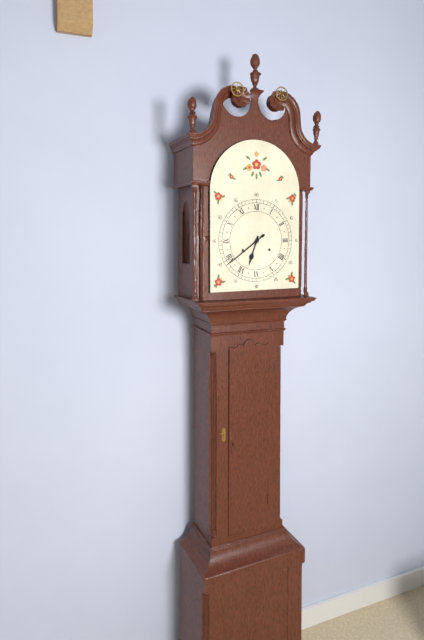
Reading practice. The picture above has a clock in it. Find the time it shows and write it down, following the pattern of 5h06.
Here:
6h39
